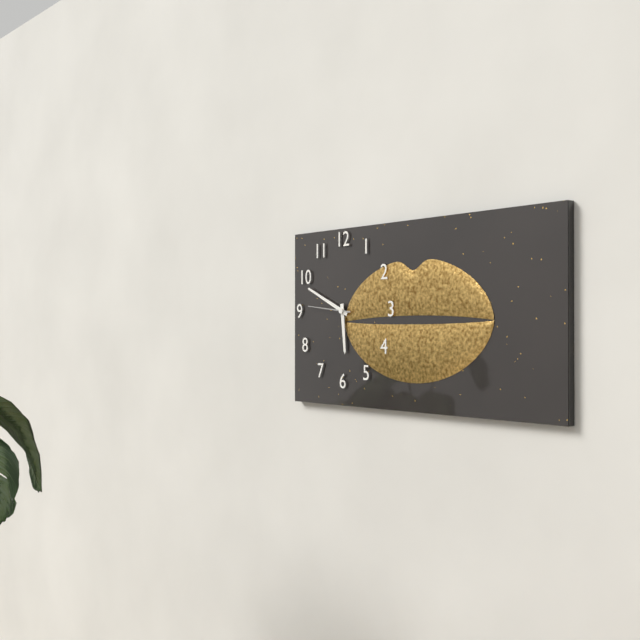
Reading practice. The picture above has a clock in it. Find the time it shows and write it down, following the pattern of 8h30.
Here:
5h49
